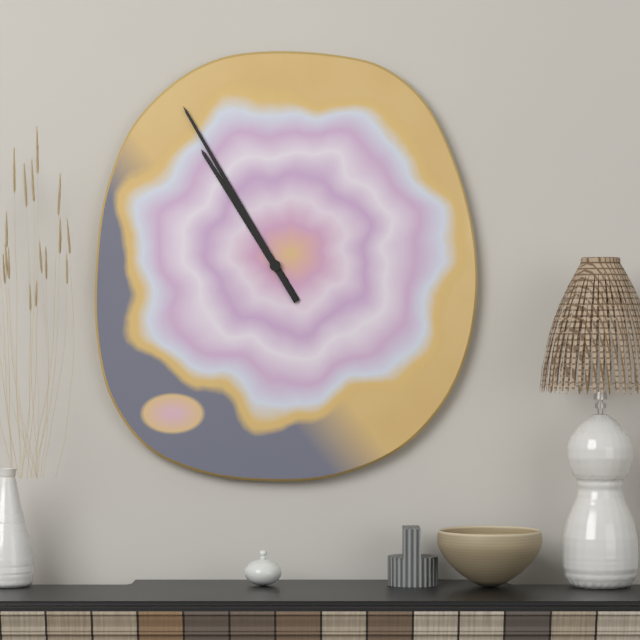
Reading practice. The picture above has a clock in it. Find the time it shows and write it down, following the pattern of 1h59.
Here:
10h55
